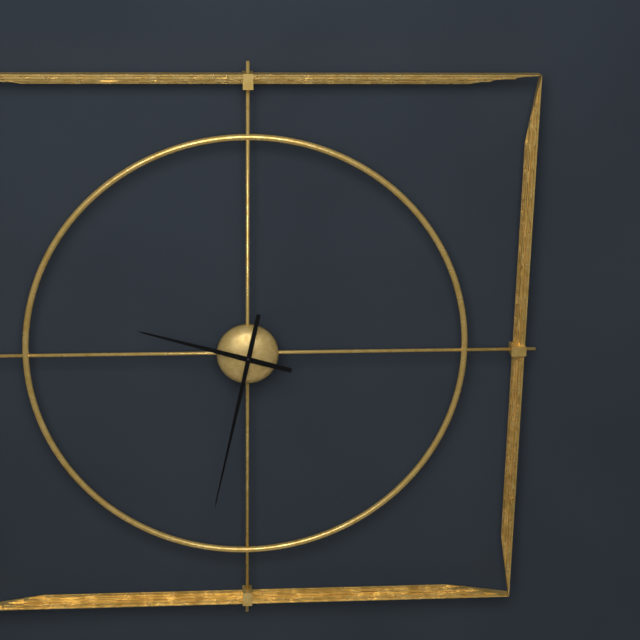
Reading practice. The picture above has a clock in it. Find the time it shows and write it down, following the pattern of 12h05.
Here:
9h32
